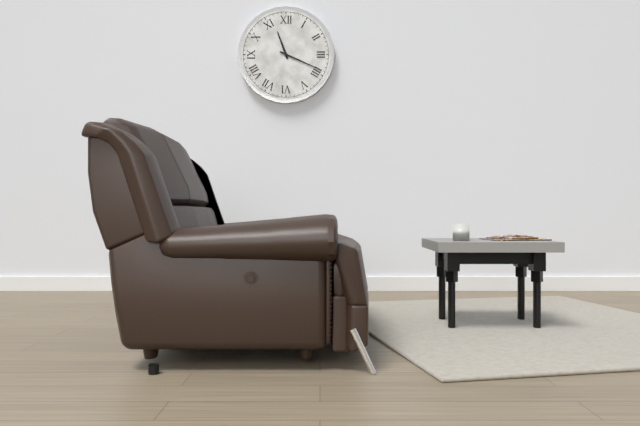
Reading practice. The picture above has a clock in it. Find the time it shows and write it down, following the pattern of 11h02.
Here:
11h19
